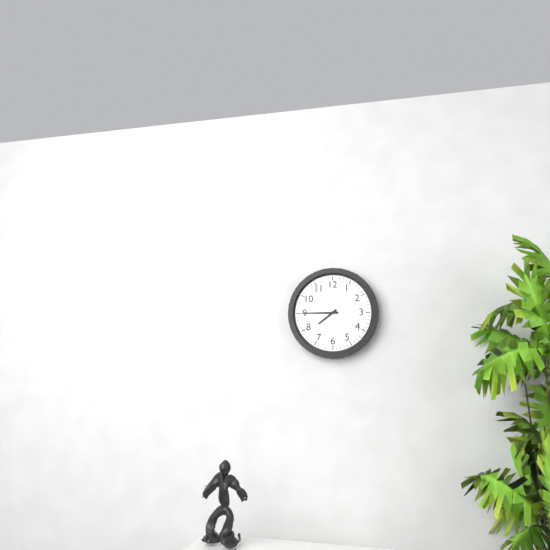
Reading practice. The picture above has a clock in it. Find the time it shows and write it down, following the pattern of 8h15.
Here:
7h45
